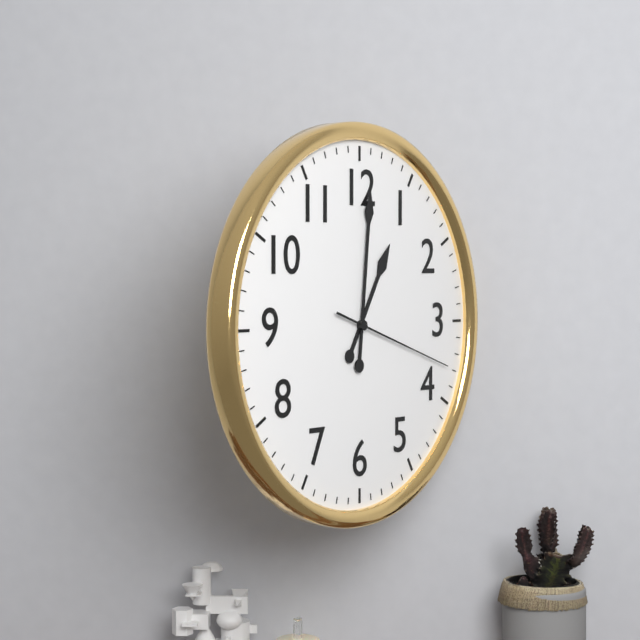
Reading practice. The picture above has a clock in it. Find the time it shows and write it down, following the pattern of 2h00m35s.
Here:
1h01m18s
